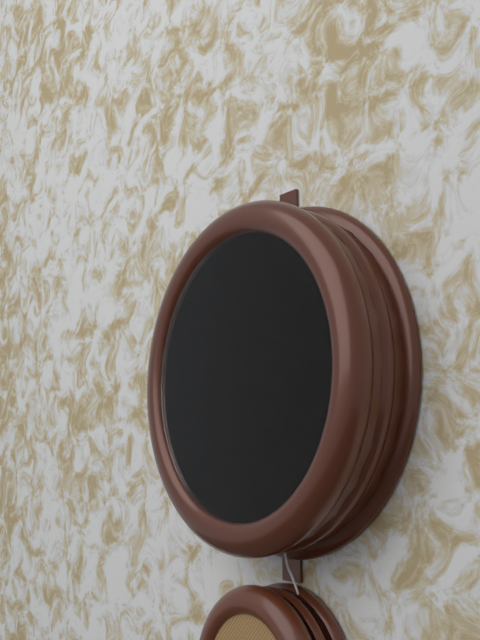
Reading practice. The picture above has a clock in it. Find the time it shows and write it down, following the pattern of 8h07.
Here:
2h52
